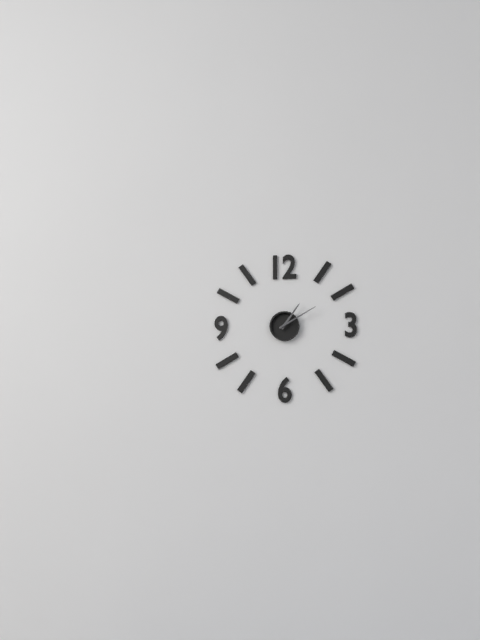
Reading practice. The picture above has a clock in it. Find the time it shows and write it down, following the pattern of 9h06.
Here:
1h10
